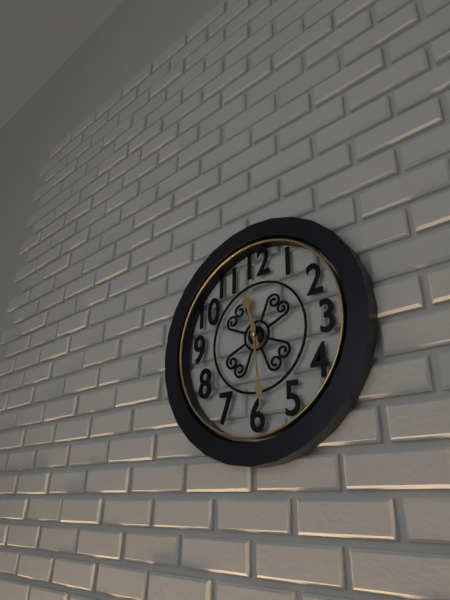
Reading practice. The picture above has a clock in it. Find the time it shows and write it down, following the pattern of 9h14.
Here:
11h29
